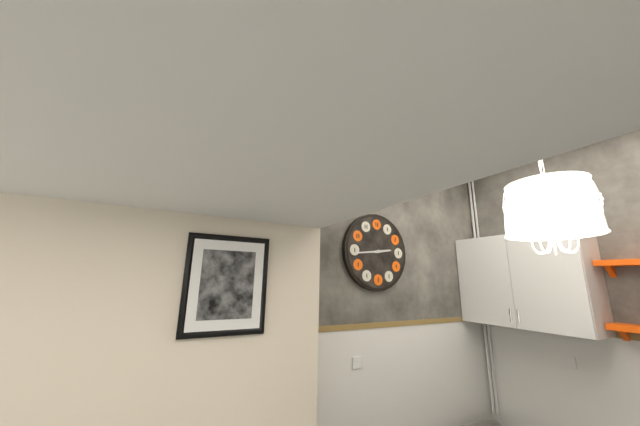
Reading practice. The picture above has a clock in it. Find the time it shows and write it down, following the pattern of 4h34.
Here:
2h44
